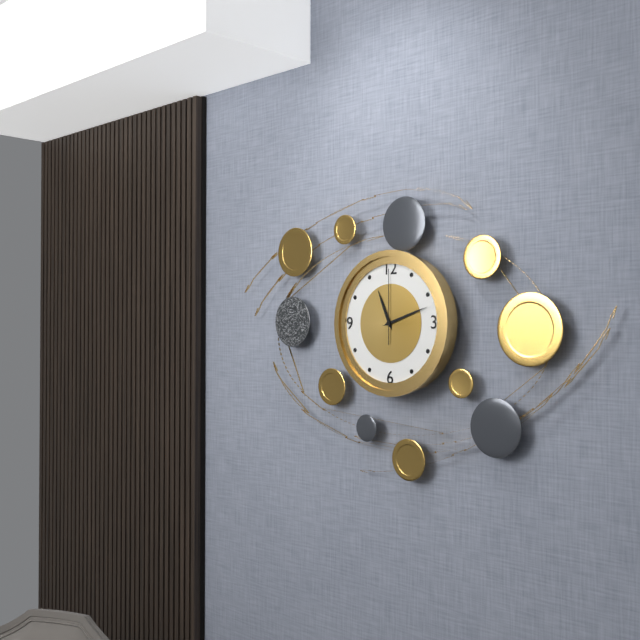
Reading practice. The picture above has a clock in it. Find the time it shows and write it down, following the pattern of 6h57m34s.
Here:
11h12m00s
